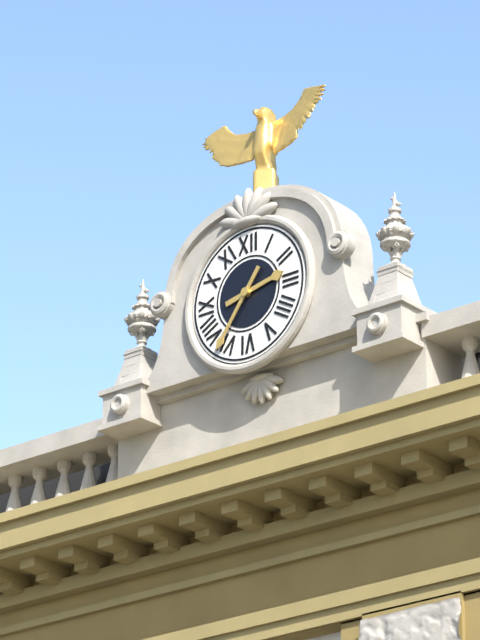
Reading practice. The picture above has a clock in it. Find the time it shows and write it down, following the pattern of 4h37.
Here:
2h36
